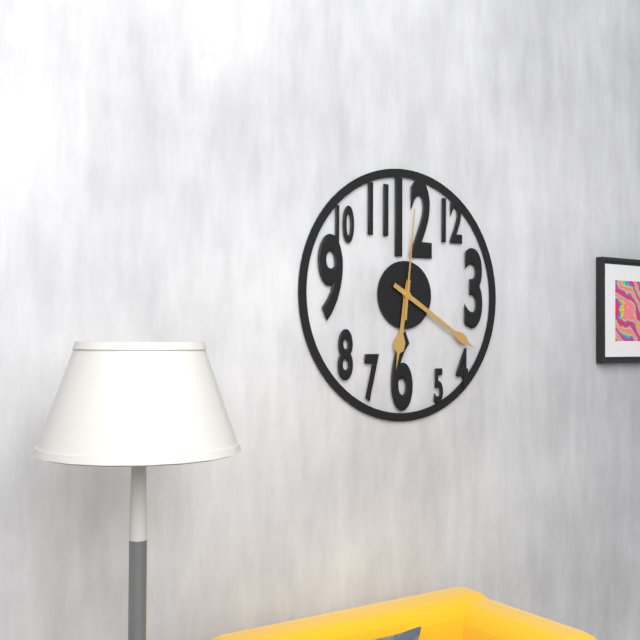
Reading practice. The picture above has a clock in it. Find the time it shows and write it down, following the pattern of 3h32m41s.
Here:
6h20m01s
